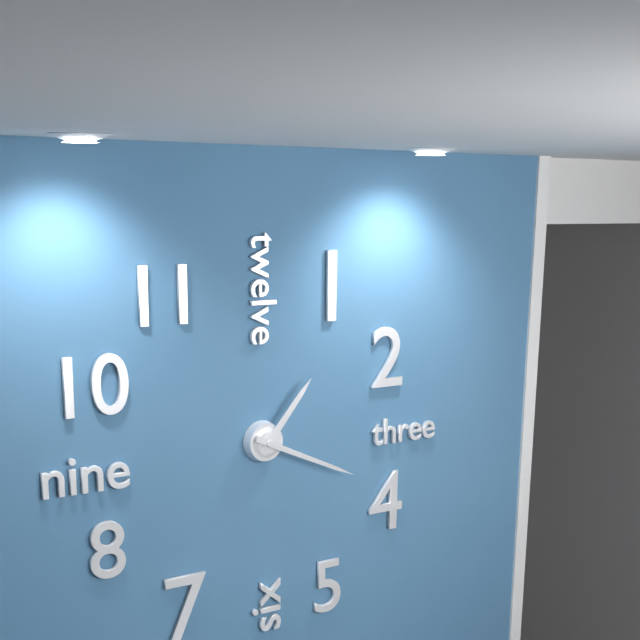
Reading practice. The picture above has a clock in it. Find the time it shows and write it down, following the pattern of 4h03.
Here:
1h19
